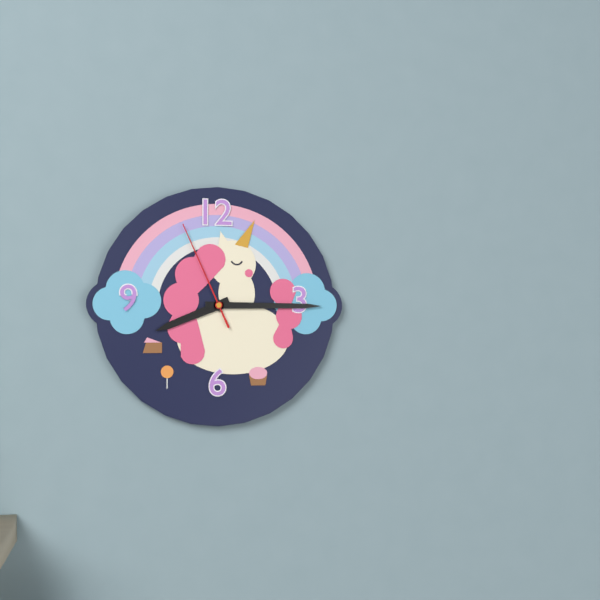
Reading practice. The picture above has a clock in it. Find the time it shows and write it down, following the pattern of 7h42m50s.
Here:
8h15m56s
